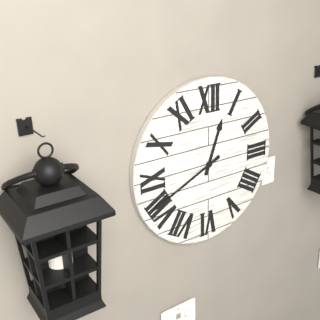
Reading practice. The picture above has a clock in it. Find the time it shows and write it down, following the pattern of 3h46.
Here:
12h41
